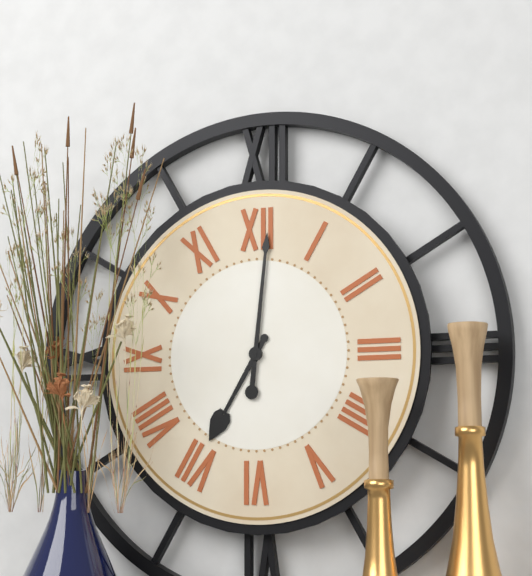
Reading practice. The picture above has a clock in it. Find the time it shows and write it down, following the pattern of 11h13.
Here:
7h01
